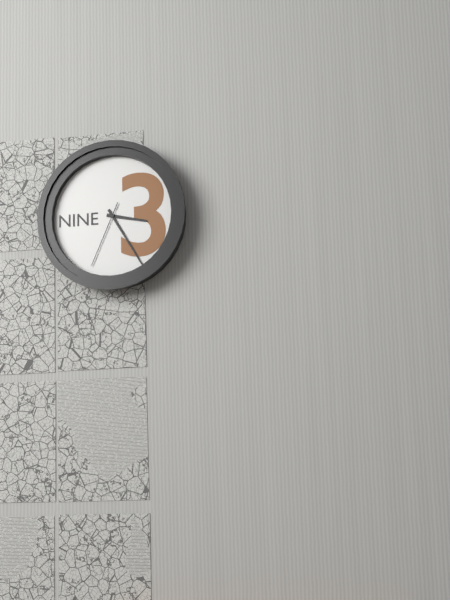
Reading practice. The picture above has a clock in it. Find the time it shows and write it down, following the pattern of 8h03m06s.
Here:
3h25m34s
